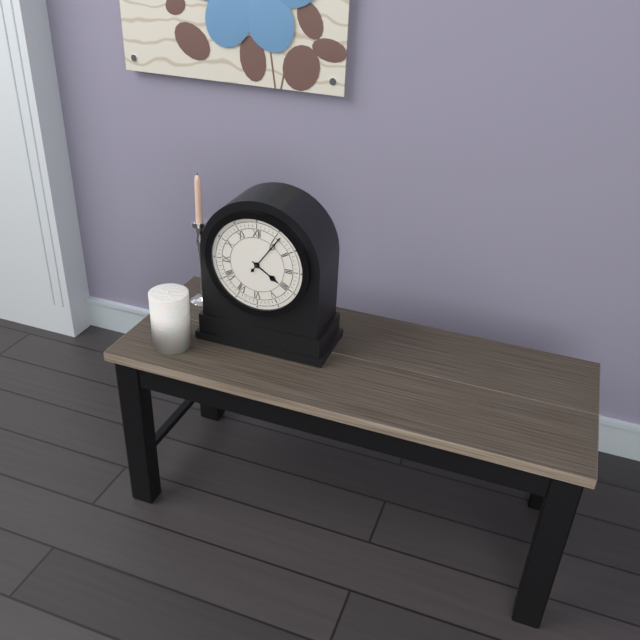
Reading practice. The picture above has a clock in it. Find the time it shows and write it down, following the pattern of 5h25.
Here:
4h06
